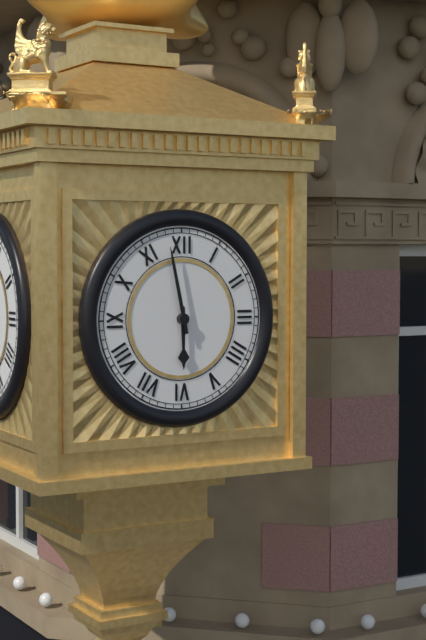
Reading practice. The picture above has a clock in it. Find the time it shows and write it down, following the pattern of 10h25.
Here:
5h58
